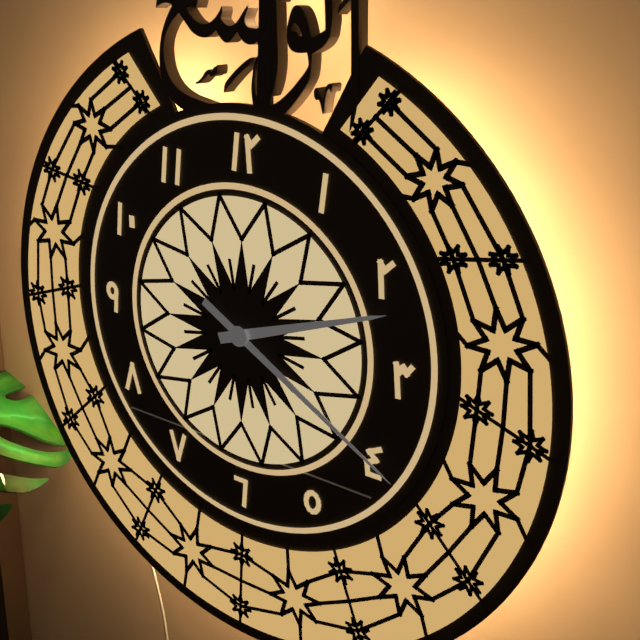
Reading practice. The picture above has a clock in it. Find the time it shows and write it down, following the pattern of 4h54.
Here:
2h20
